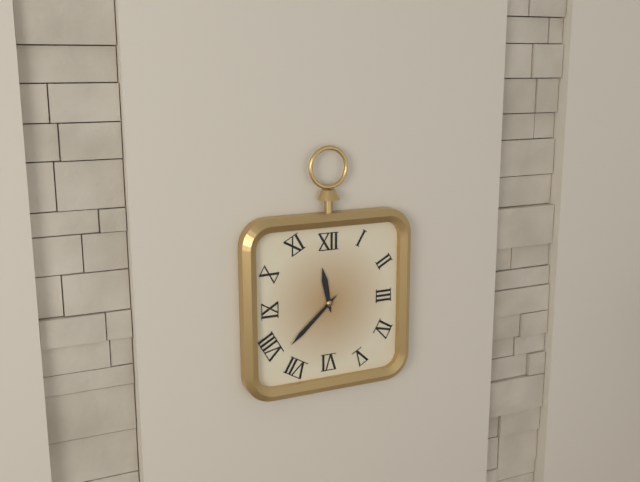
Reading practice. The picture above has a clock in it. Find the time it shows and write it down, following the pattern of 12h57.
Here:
11h38
